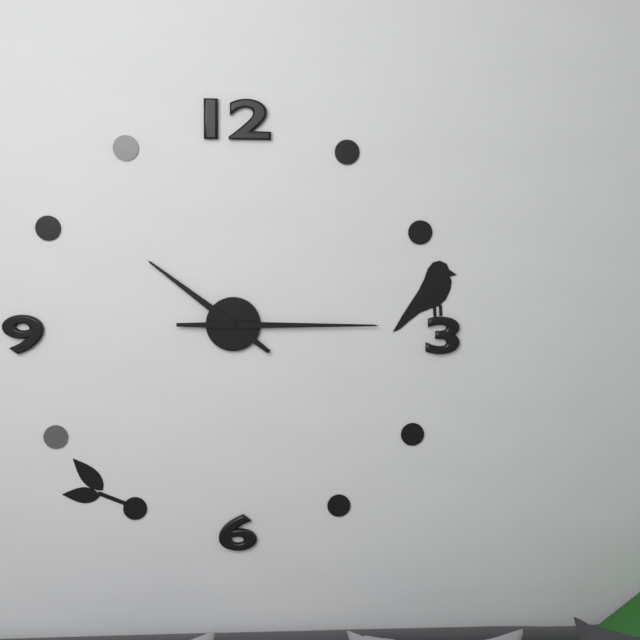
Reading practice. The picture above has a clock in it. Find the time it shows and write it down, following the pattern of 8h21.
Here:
10h15
